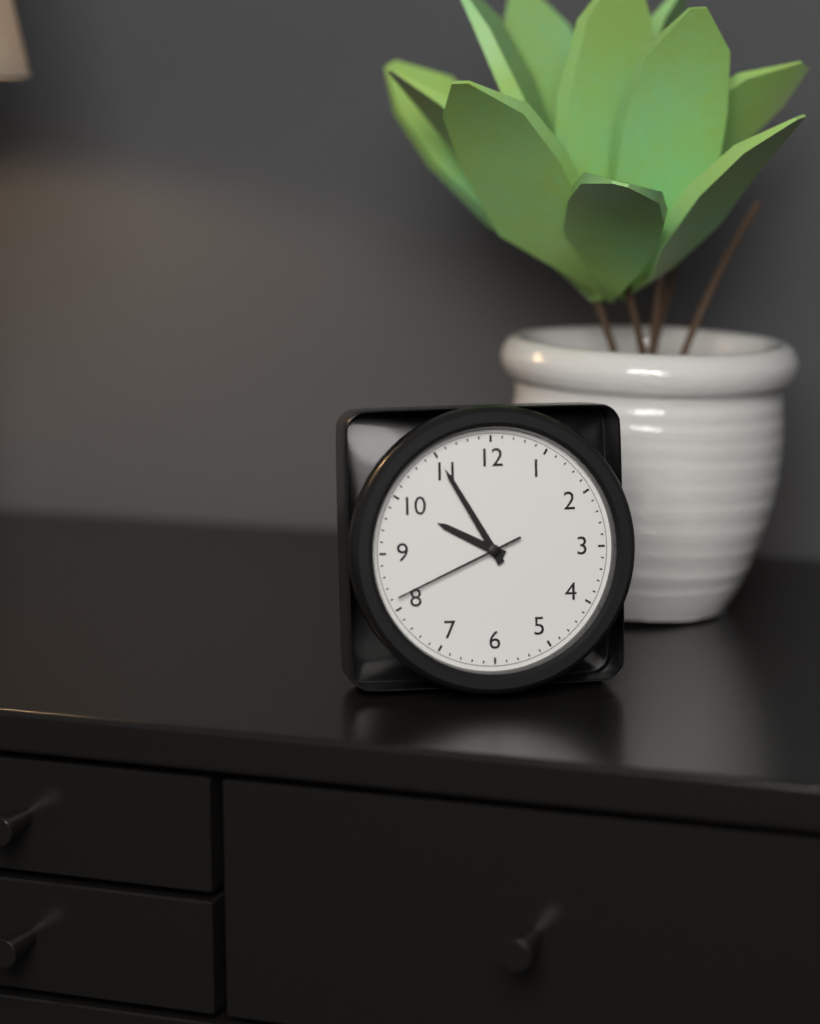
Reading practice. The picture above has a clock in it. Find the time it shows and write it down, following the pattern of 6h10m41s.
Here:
9h55m41s
